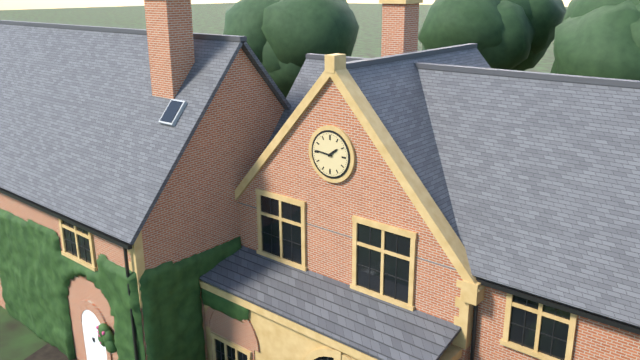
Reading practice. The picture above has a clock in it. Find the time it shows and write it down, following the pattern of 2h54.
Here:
1h46
